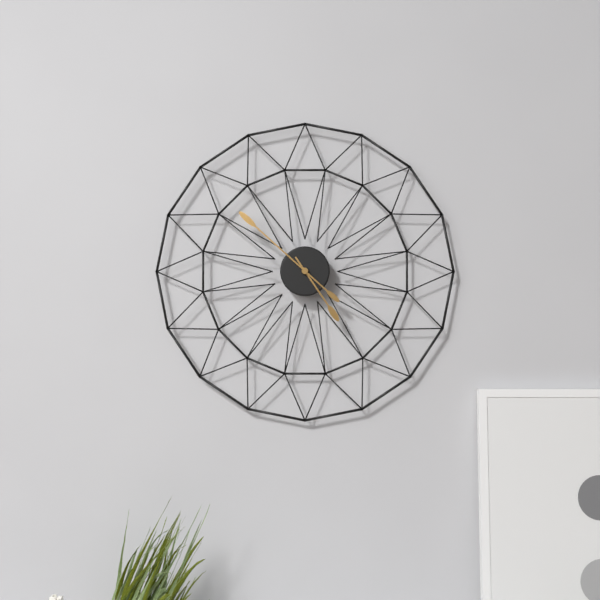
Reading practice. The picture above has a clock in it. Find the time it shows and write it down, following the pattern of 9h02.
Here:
4h52
